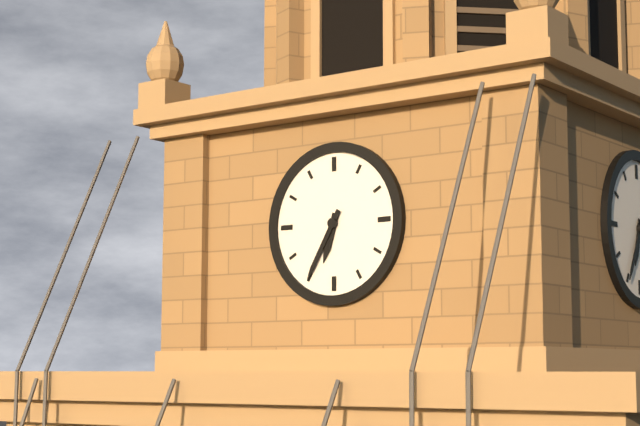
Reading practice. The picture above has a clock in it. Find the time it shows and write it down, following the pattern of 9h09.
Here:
6h35
